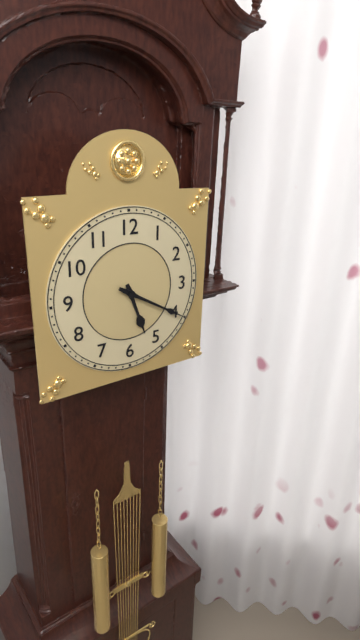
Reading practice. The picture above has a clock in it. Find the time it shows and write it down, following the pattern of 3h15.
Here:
5h20
